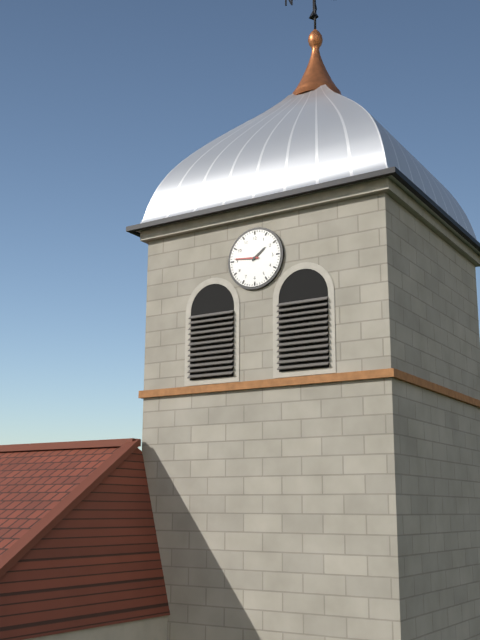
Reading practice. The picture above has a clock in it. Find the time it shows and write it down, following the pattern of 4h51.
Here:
1h46
